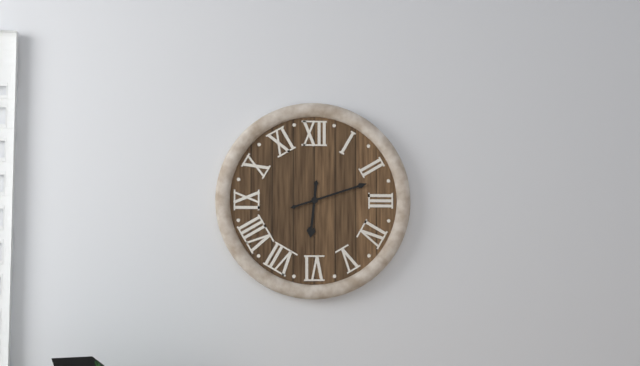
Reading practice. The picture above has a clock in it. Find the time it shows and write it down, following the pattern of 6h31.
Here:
6h12
